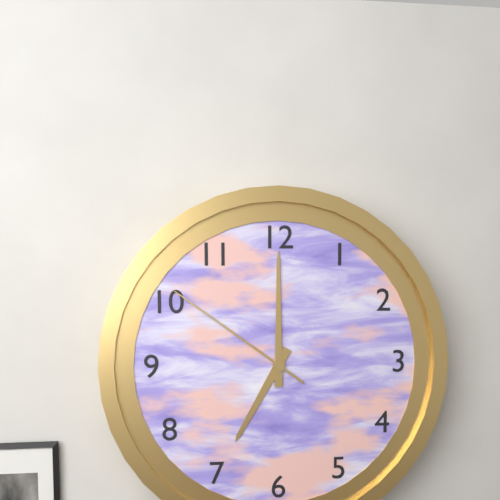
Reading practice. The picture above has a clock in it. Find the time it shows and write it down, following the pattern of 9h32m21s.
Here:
7h00m51s
